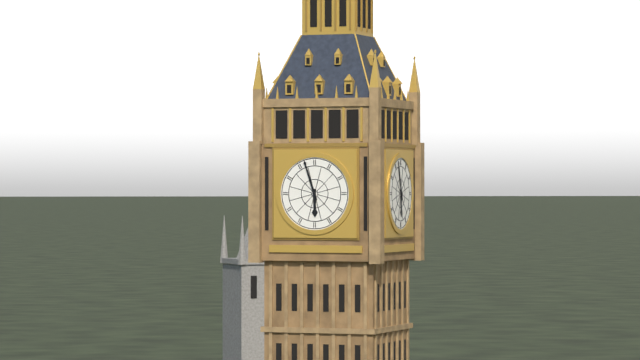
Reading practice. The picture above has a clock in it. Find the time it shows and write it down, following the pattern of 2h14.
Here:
5h57
